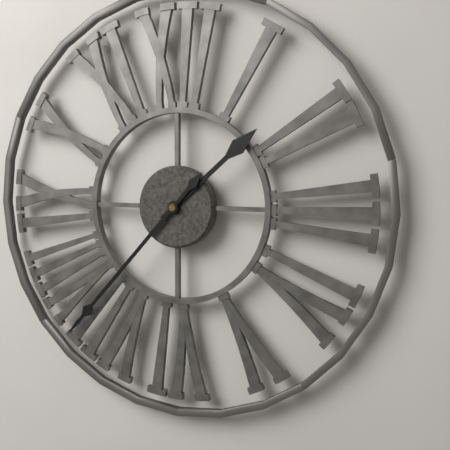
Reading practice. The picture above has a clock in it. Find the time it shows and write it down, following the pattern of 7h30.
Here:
1h37
